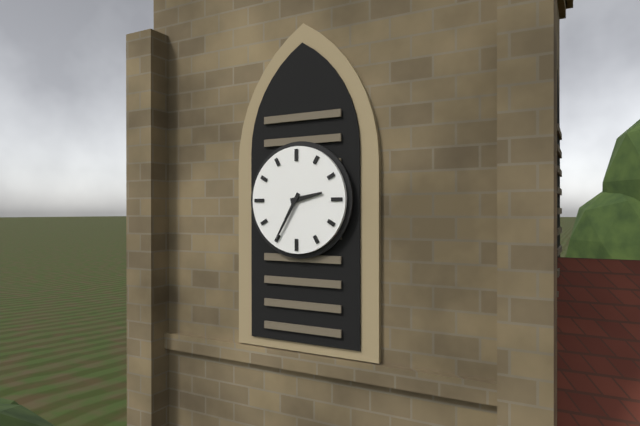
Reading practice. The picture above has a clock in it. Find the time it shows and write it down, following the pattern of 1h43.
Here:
2h35
